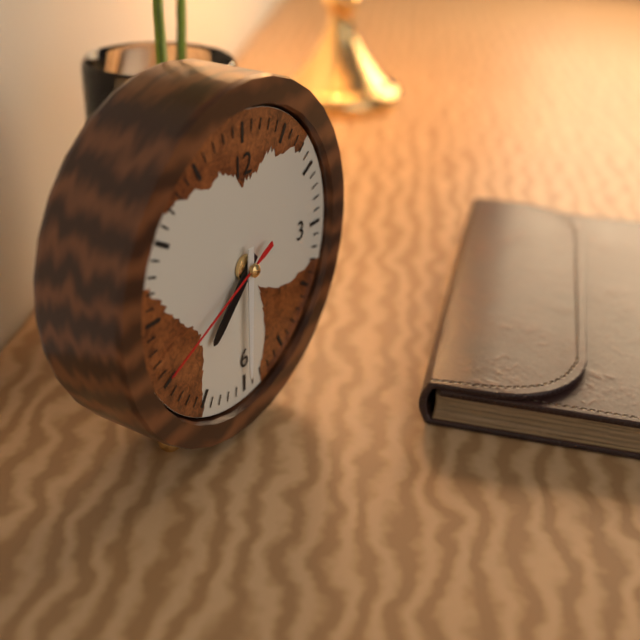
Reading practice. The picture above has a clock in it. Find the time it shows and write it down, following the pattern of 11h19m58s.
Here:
7h30m41s
